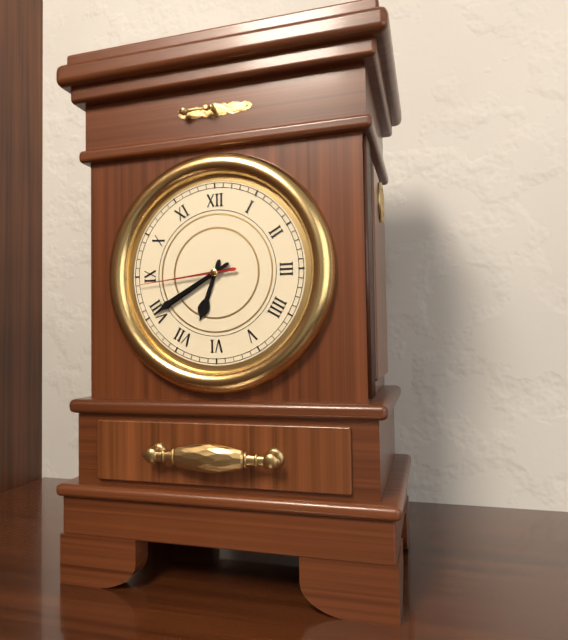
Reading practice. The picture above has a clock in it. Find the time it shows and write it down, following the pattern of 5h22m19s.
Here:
6h40m44s
